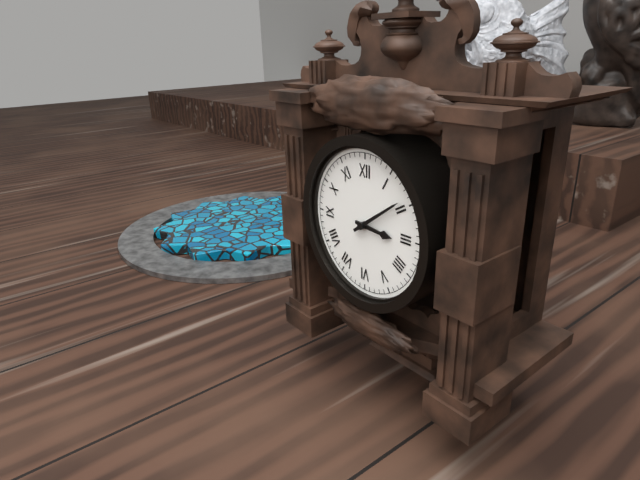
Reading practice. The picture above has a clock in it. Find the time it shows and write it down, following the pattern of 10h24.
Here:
3h09
